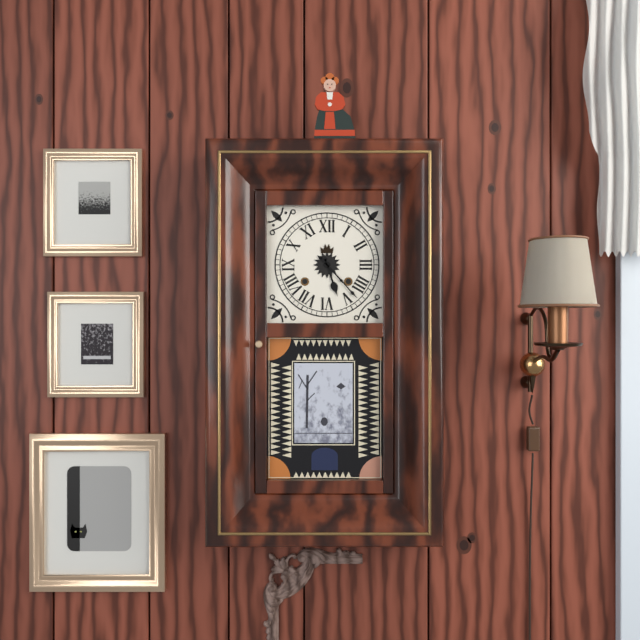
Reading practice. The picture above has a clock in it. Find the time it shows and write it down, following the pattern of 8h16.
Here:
5h23
